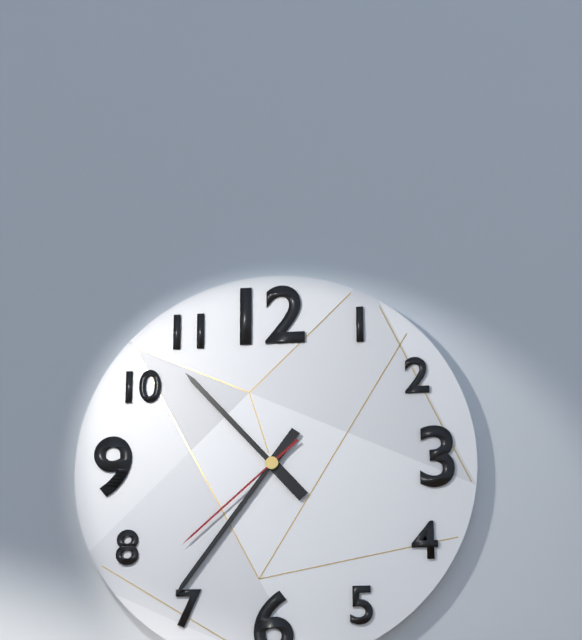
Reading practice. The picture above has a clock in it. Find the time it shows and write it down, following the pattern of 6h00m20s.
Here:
10h36m38s
